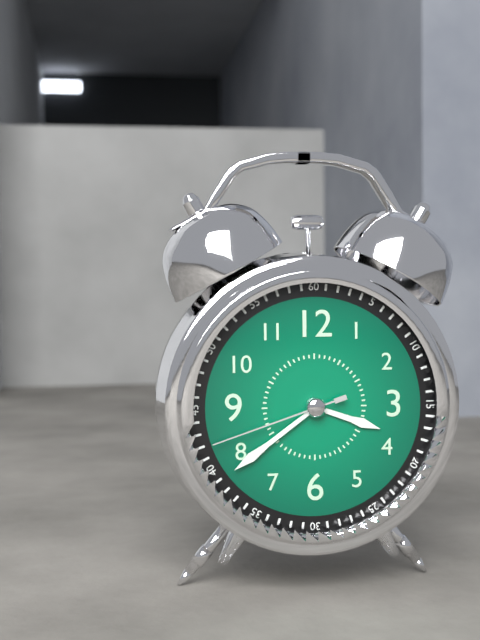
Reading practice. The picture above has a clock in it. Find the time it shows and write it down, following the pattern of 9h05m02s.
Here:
3h39m42s
